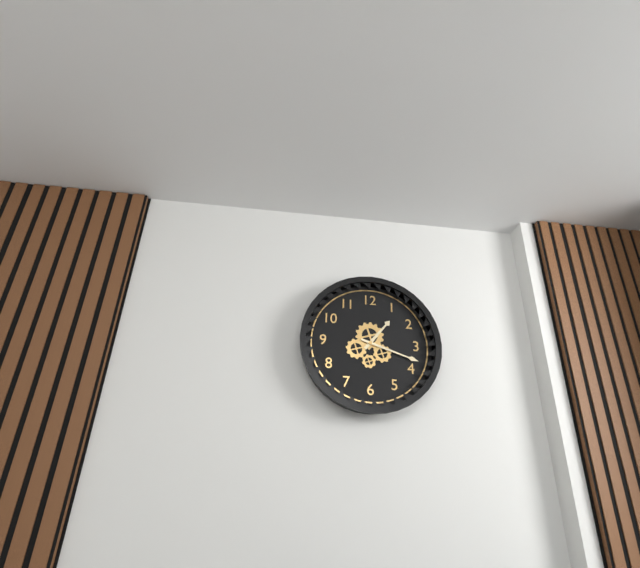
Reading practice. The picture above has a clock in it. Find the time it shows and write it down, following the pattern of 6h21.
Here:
1h18
